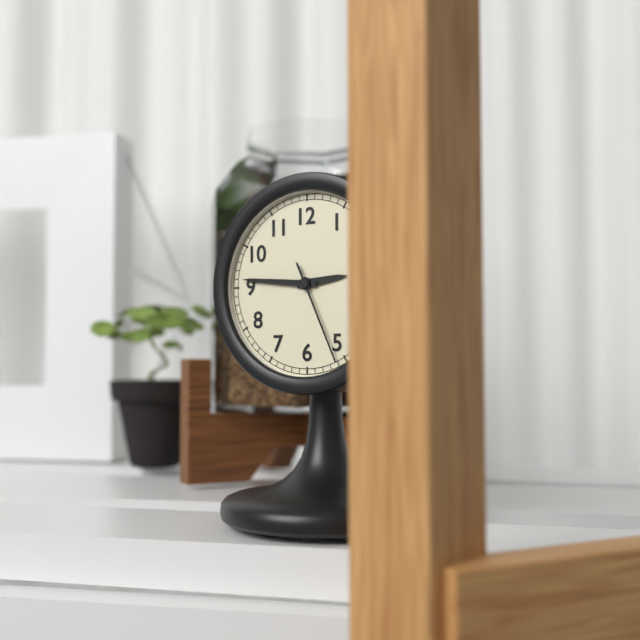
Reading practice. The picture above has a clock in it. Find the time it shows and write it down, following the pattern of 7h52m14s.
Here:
2h46m26s
